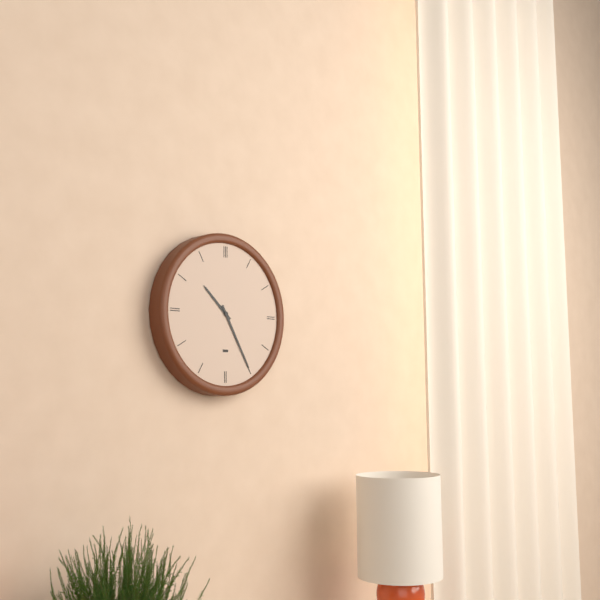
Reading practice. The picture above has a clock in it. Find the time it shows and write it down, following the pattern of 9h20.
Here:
10h25
